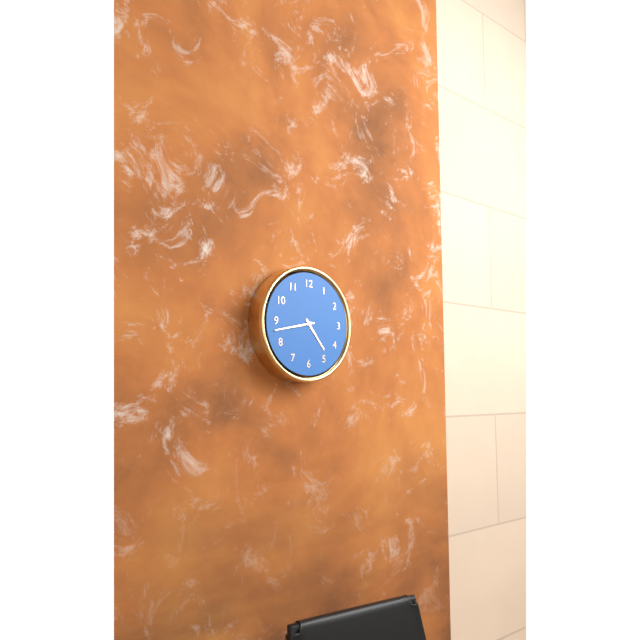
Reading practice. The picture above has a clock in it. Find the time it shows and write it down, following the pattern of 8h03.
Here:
4h43
